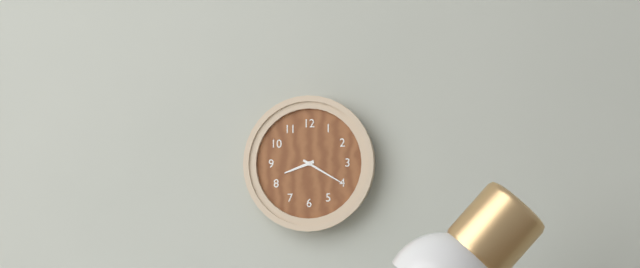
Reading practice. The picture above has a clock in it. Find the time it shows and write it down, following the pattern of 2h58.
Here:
8h20
